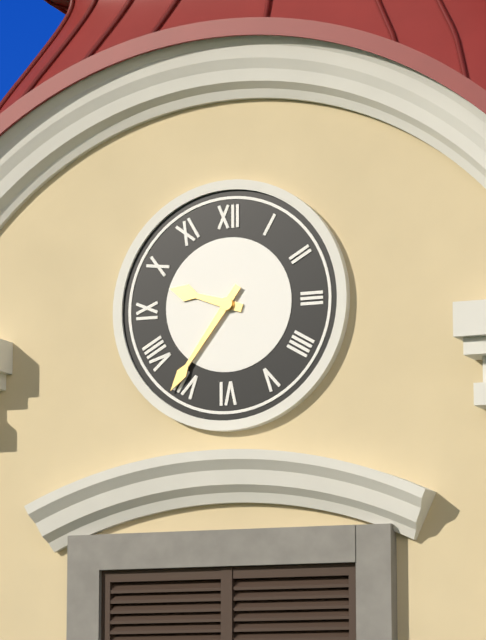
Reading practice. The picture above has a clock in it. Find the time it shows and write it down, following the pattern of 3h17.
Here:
9h36
